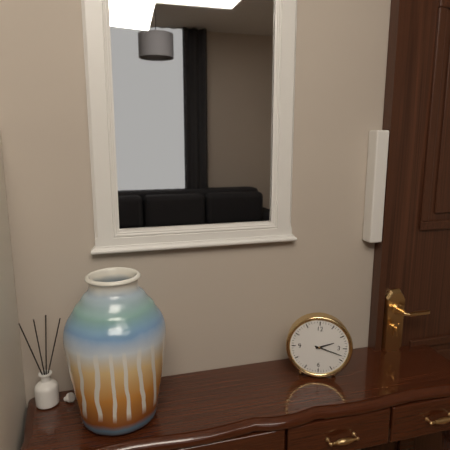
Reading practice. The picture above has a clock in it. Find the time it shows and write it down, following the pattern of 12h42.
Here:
2h18
